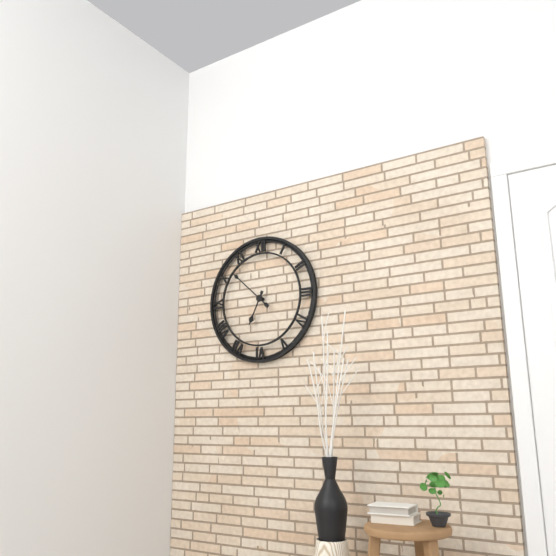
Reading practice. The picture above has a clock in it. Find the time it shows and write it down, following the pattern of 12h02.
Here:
6h52
